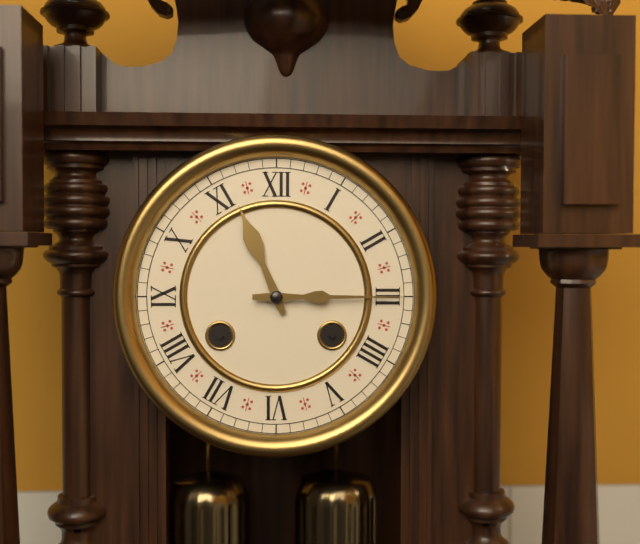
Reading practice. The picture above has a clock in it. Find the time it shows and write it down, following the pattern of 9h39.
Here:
11h15
